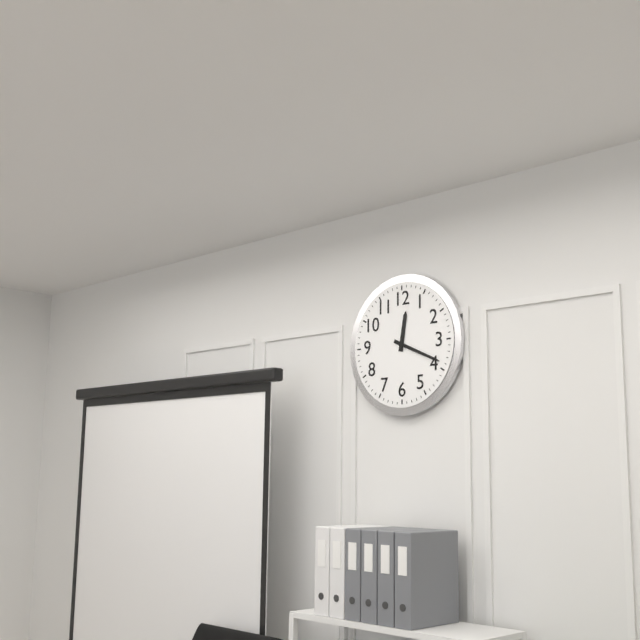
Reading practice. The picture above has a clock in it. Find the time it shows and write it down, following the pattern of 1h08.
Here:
12h19
